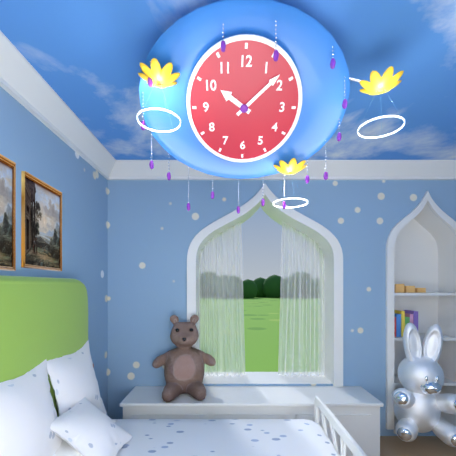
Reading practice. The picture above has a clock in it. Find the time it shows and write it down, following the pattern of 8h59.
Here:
10h08
